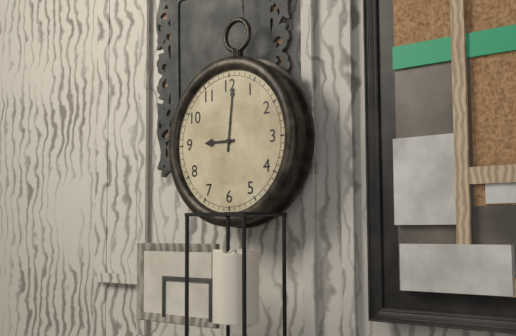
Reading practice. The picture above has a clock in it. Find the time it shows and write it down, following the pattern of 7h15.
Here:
9h01
